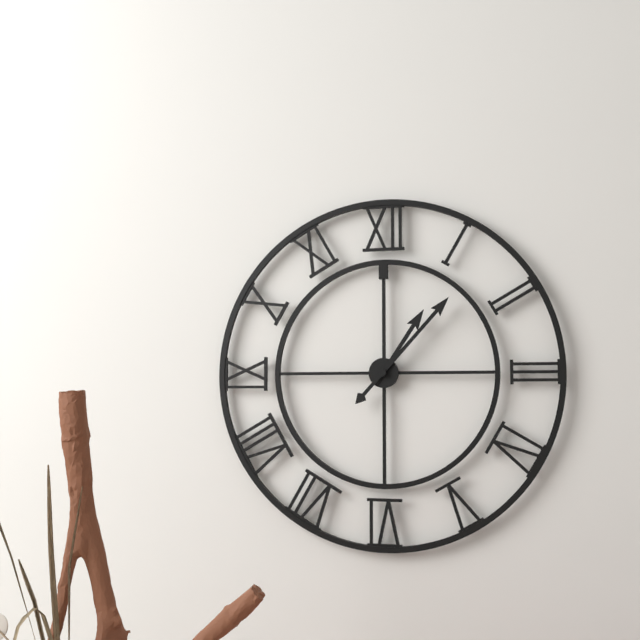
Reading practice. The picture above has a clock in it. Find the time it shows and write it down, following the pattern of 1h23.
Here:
1h07
